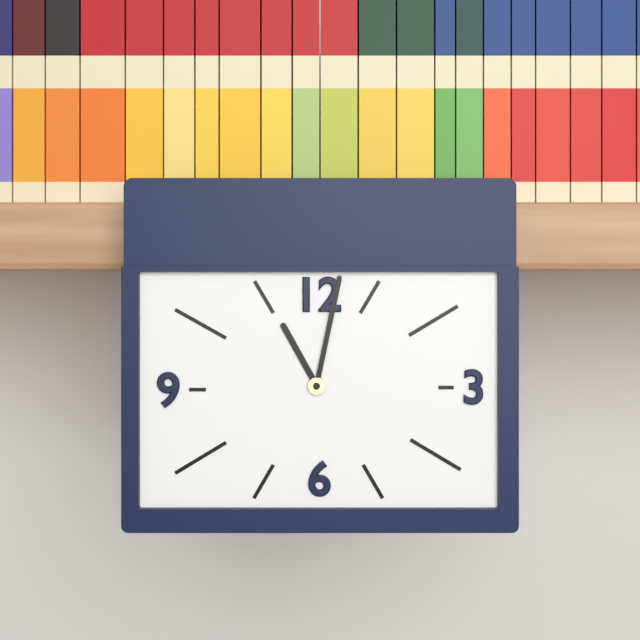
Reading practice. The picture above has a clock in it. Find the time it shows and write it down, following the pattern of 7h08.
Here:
11h02
